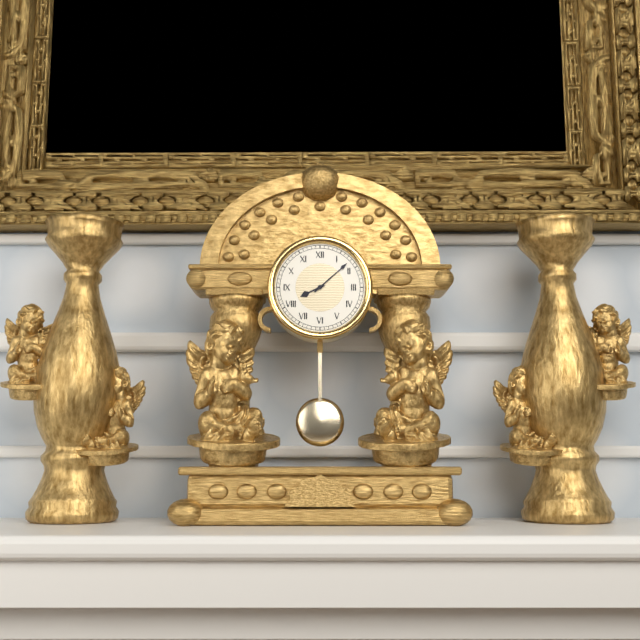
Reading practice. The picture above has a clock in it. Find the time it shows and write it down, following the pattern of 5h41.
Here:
8h08
